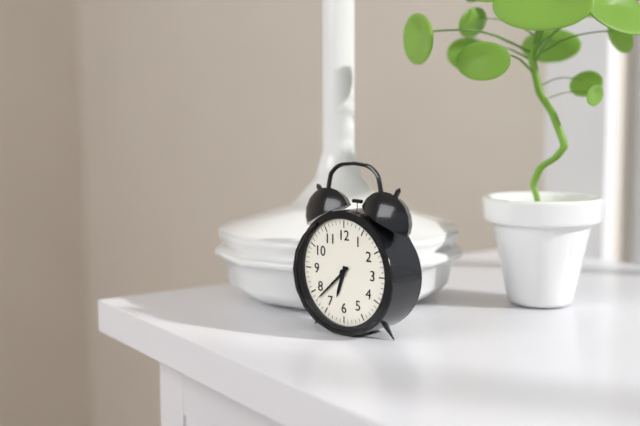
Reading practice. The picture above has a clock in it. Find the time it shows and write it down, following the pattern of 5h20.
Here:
6h38
